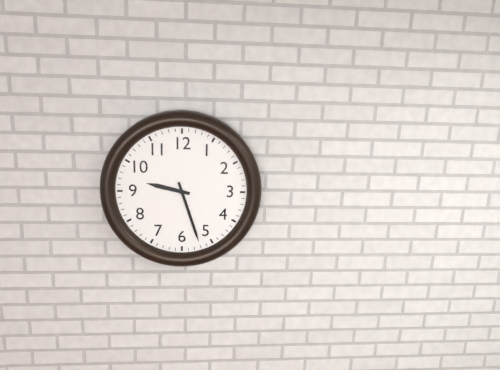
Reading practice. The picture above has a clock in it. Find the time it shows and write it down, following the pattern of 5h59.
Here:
9h27
